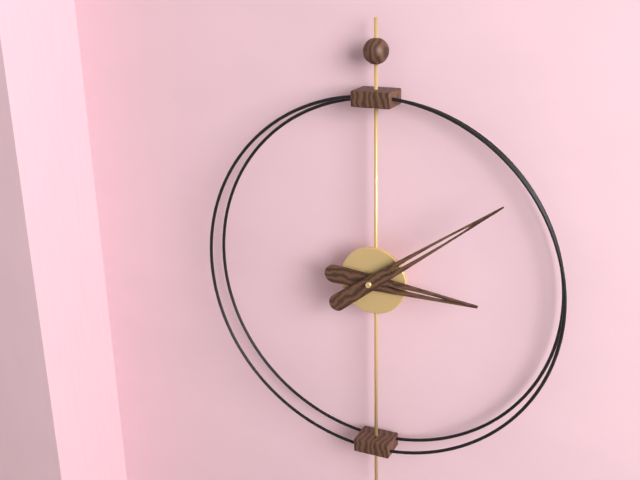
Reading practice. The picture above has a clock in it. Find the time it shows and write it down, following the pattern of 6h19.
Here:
3h09
